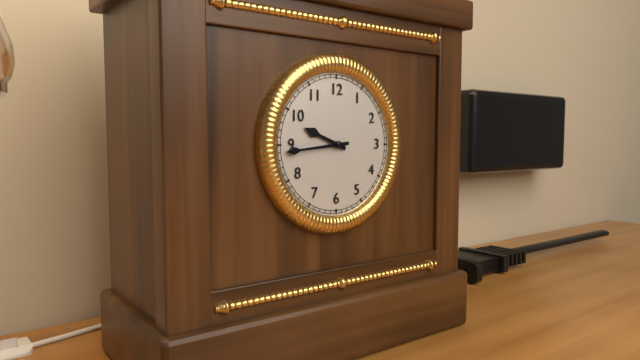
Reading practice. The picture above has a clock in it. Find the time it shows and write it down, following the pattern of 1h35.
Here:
9h44
